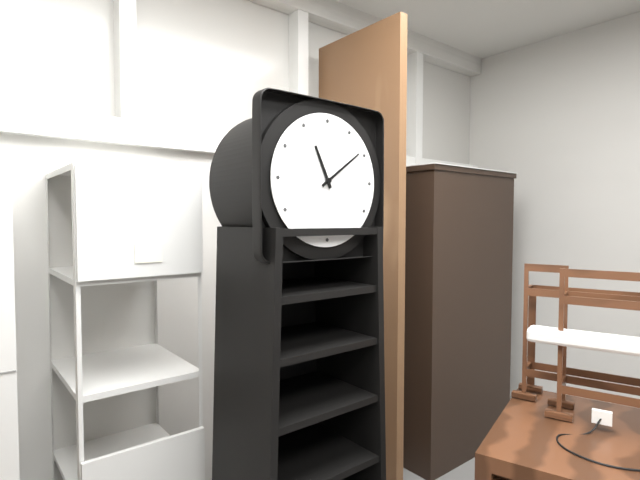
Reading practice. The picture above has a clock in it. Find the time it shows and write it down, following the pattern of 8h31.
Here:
11h09
